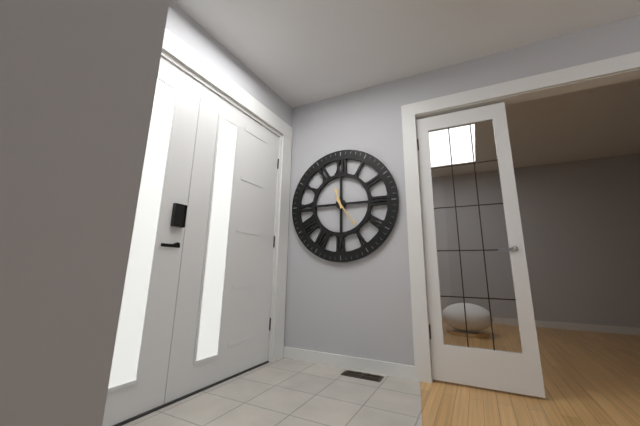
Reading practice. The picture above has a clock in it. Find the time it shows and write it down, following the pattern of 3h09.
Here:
11h24
